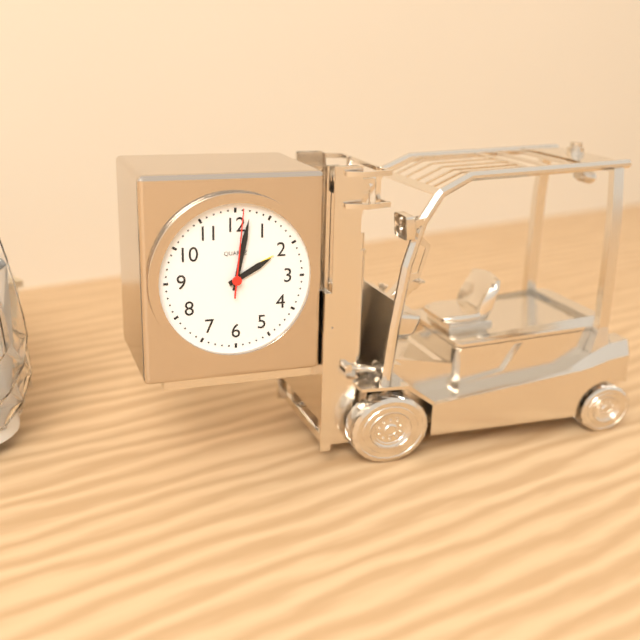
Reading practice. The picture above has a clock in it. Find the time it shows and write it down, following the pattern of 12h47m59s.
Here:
2h02m01s
